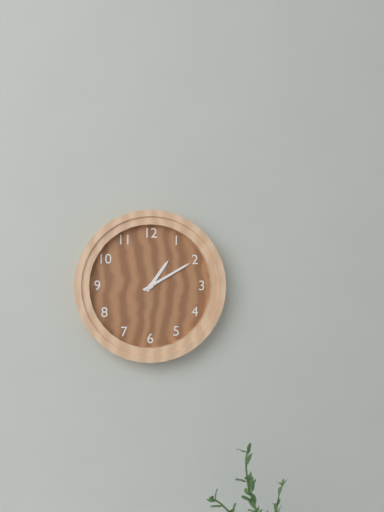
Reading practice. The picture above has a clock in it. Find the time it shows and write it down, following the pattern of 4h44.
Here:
1h10
